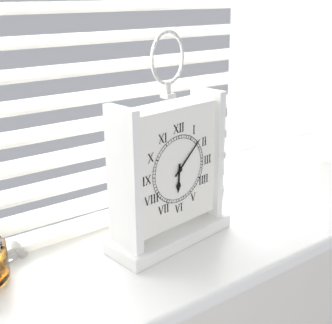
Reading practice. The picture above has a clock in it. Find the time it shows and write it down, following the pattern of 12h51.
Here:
6h08
